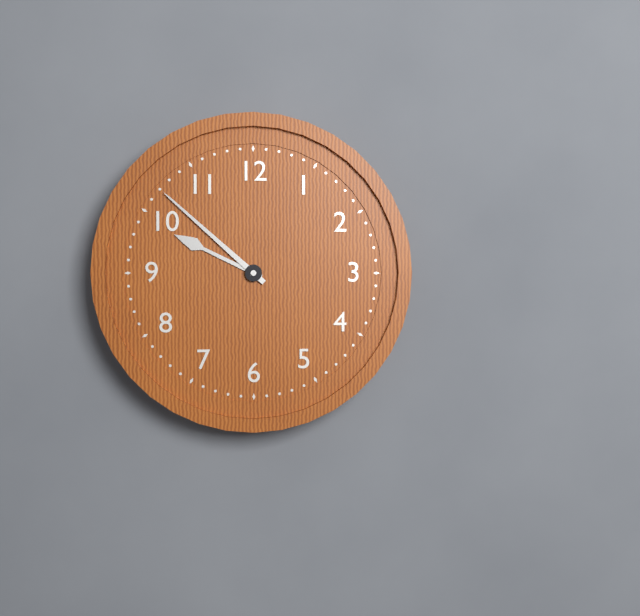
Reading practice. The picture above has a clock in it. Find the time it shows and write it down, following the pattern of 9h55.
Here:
9h52
